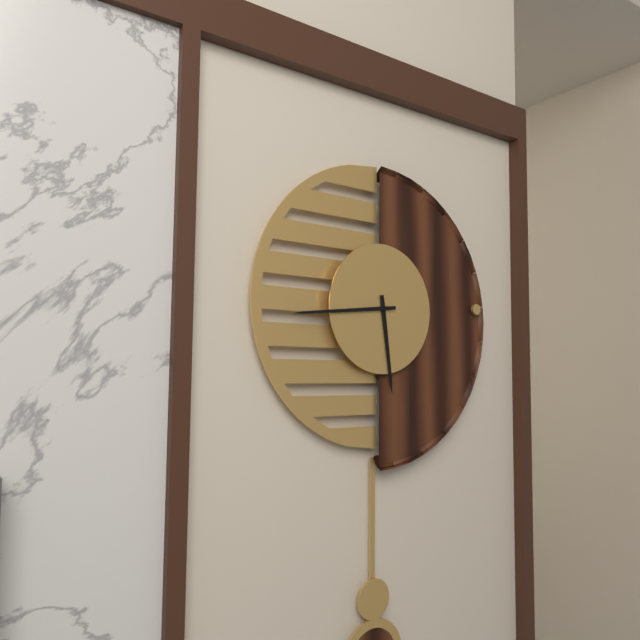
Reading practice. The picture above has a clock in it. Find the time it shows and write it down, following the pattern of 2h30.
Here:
5h44
